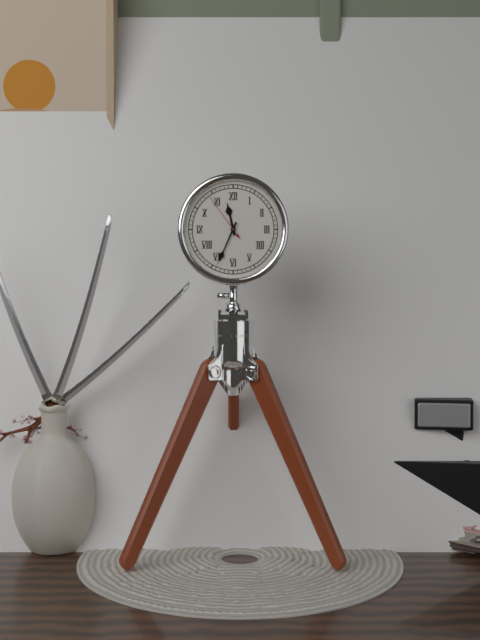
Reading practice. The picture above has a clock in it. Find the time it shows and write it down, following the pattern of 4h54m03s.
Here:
11h34m54s
